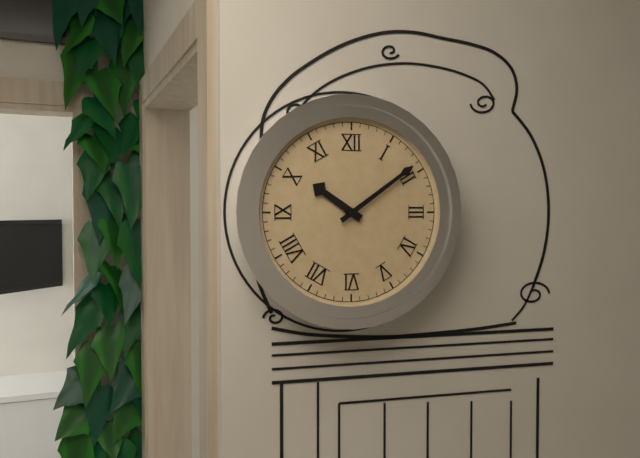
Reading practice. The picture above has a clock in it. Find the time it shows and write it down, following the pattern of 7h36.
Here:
10h09
